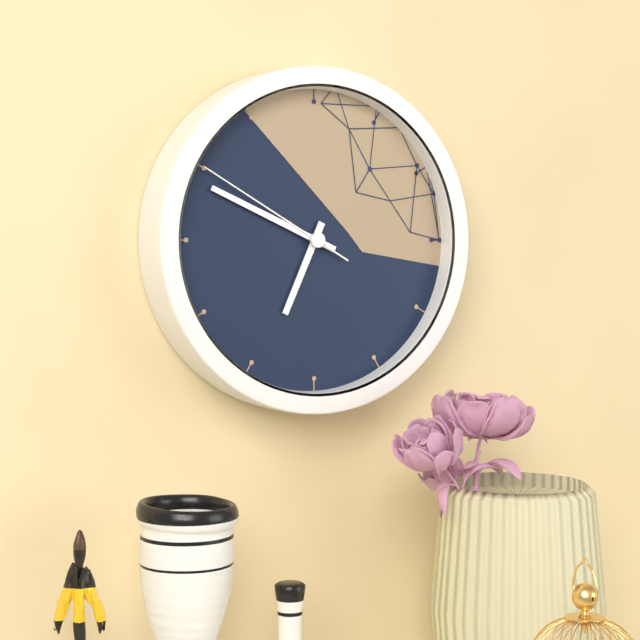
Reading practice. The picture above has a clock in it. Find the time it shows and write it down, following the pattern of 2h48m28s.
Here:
6h49m50s
